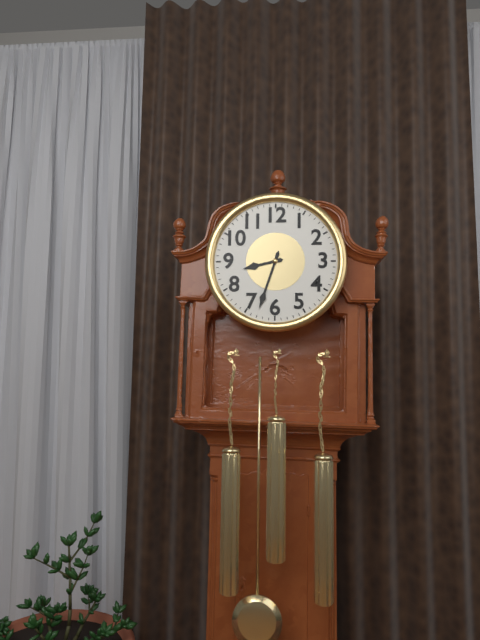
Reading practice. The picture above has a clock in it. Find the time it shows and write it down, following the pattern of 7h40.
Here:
8h33
